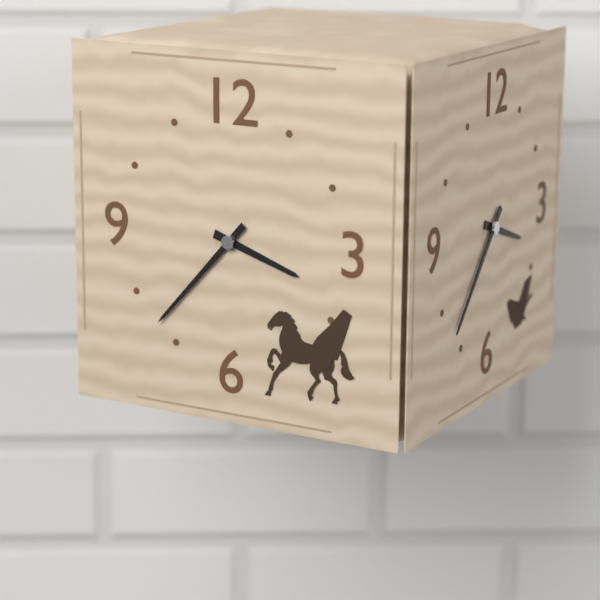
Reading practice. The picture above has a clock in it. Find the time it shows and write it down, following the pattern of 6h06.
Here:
3h37
